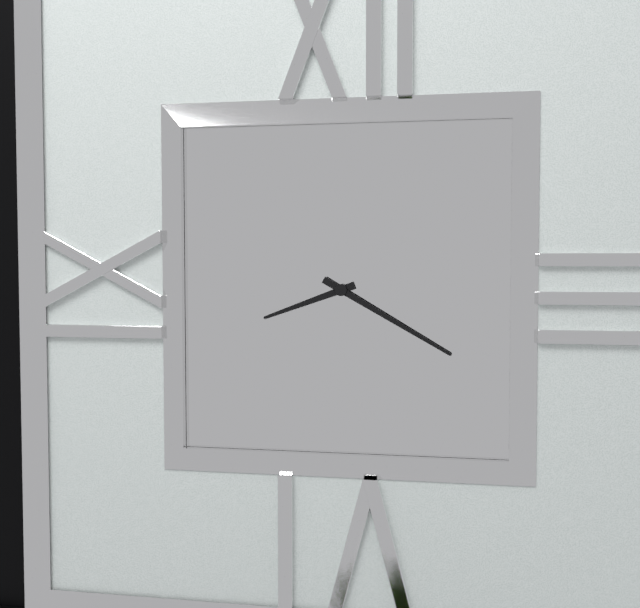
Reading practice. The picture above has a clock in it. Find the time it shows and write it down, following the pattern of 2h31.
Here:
8h20
